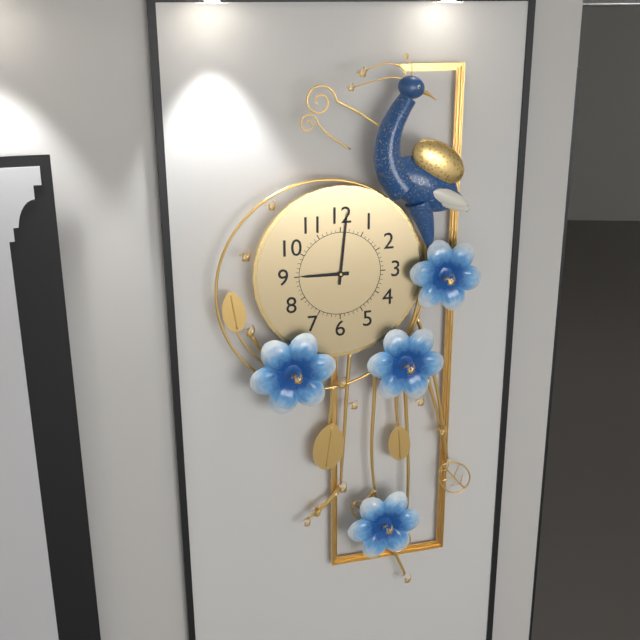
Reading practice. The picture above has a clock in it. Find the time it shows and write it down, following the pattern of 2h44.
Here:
9h01
